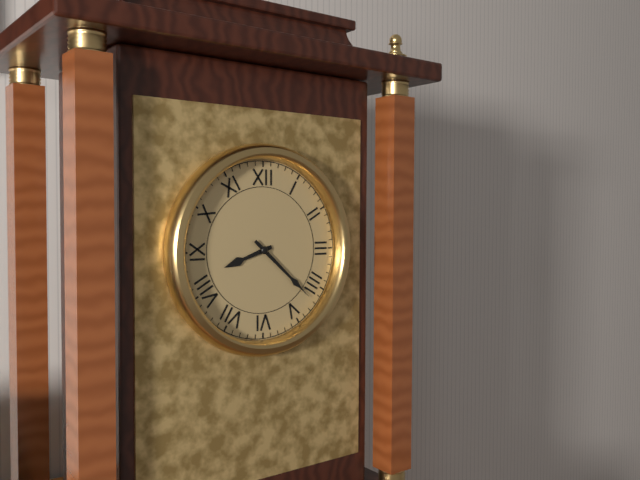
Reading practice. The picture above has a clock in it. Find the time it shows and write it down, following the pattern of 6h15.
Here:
8h22
